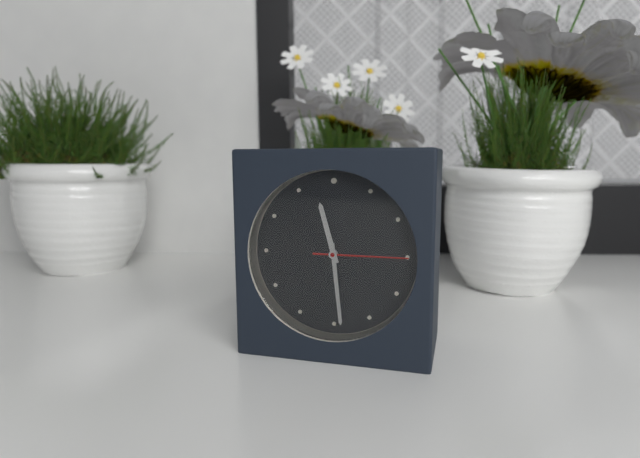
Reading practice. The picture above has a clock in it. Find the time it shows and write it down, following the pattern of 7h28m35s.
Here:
11h29m15s
